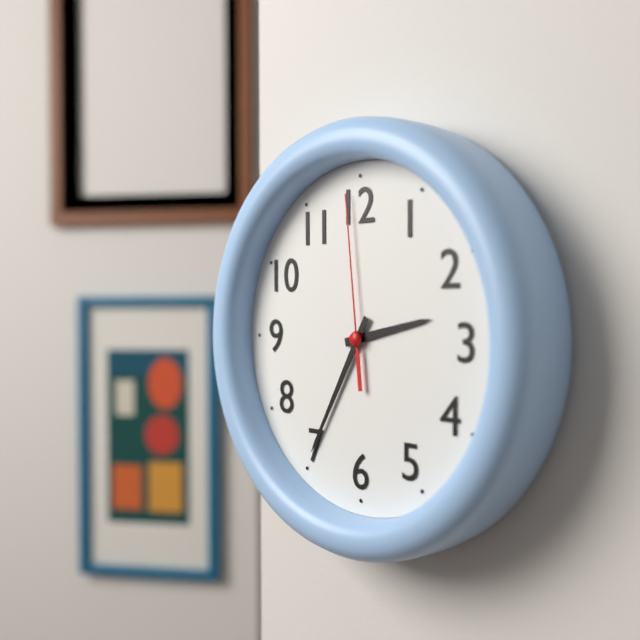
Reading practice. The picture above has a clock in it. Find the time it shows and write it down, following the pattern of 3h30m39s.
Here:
2h35m59s
